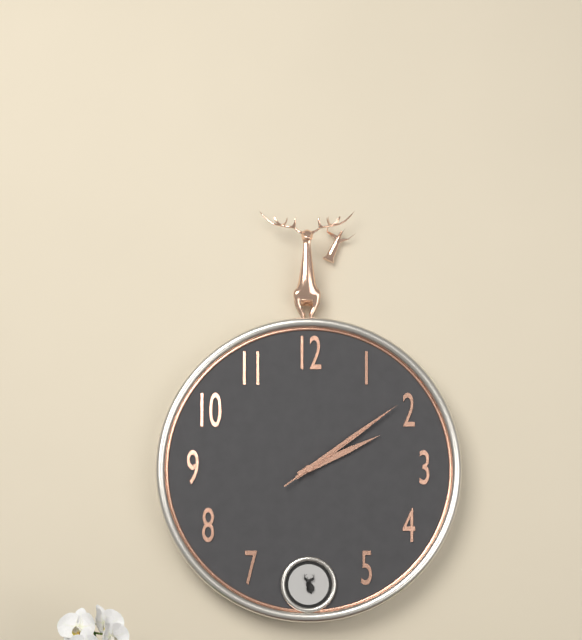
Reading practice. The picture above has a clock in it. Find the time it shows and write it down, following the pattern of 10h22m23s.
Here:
2h09m09s
